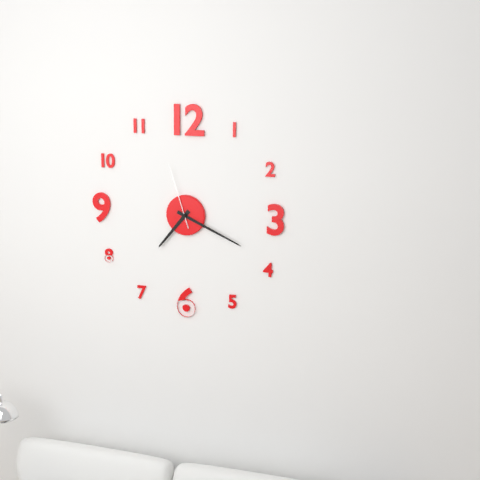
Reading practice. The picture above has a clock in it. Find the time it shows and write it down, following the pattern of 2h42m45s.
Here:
7h19m57s
